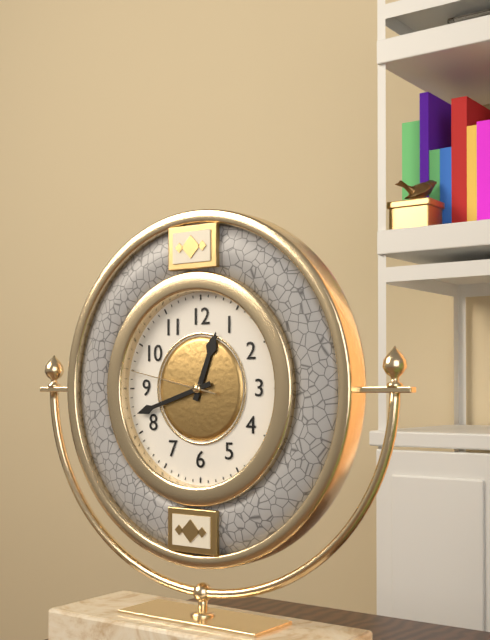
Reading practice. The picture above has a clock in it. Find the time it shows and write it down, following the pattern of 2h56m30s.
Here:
12h42m47s
